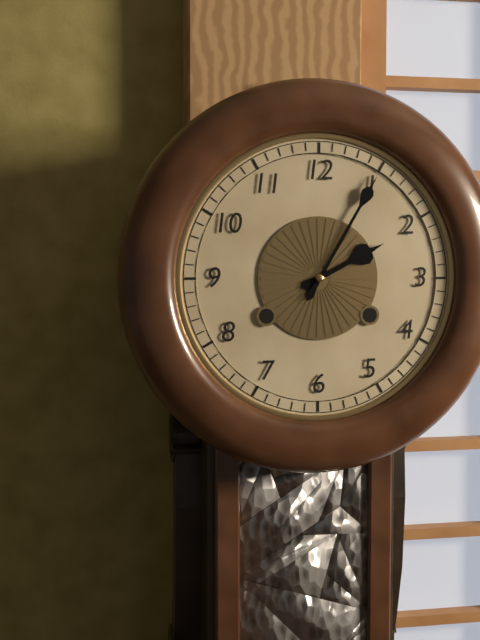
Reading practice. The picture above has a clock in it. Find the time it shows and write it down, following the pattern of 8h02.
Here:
2h05
